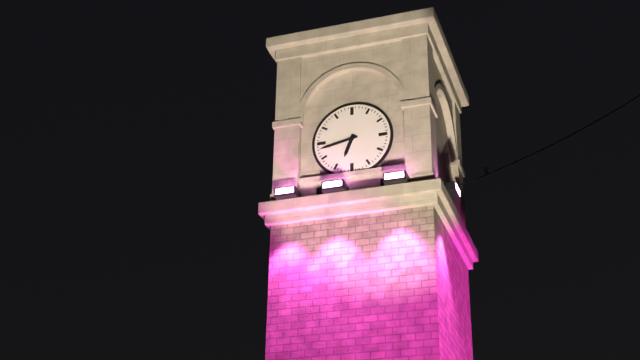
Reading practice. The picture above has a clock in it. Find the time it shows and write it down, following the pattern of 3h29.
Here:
6h43
